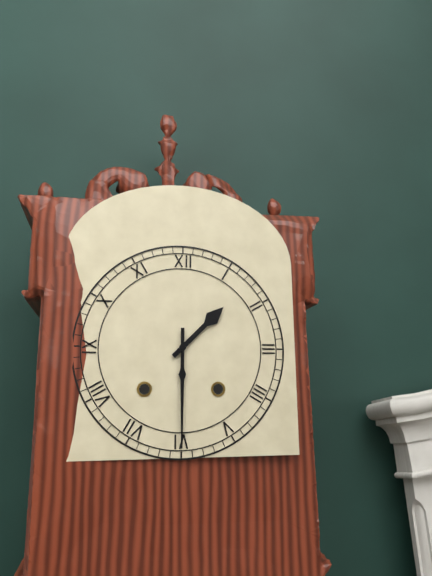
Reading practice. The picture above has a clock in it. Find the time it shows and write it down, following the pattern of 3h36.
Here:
1h30
